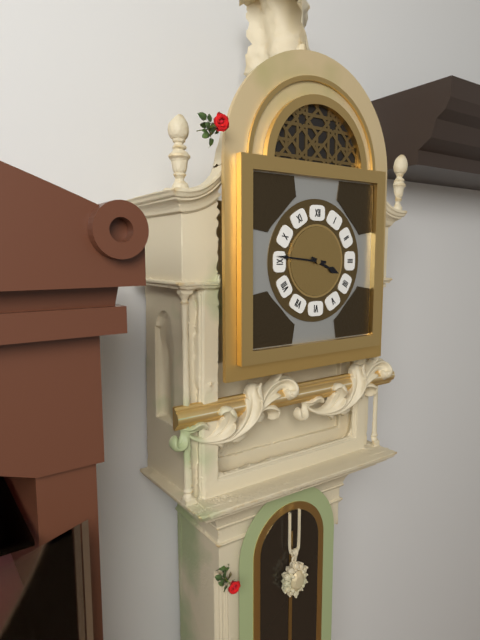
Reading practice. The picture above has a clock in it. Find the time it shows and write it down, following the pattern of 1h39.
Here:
3h46
